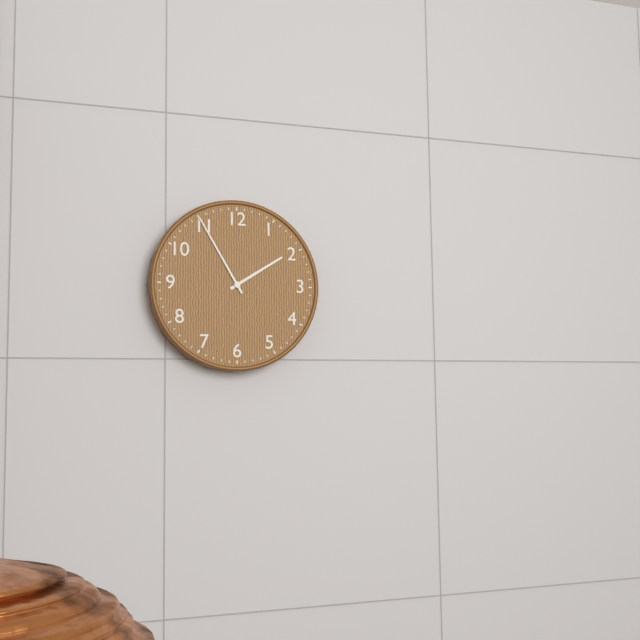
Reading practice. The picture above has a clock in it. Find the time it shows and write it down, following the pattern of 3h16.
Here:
1h55
